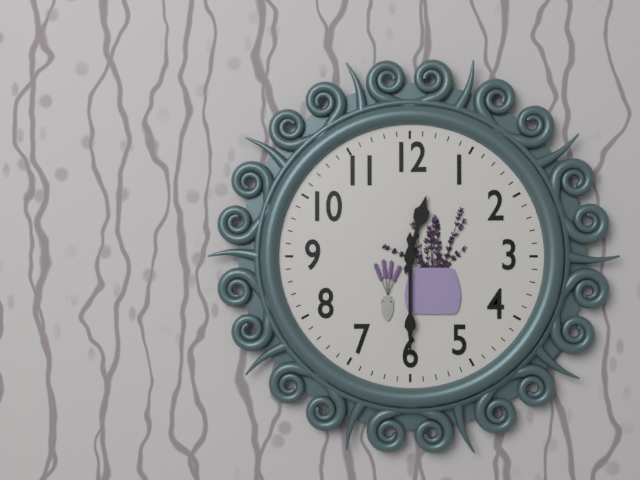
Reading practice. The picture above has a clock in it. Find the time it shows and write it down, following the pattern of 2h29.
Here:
12h30
